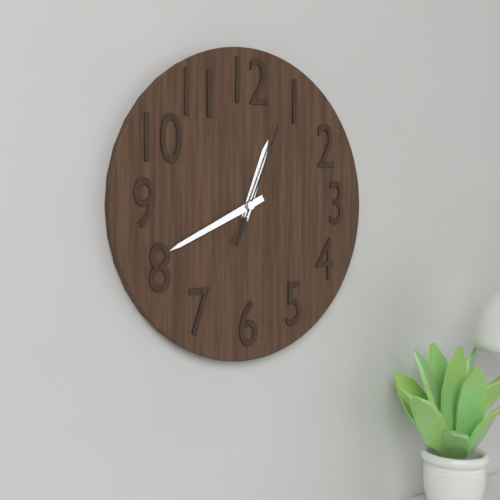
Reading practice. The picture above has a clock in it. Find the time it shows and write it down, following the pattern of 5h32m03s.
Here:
12h41m04s
